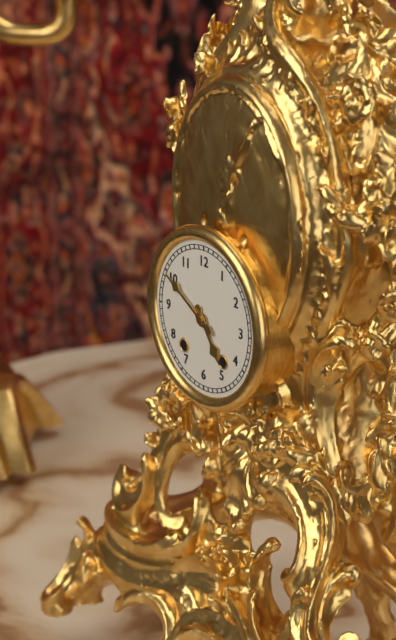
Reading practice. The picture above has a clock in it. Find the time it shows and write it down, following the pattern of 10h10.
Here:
4h50
